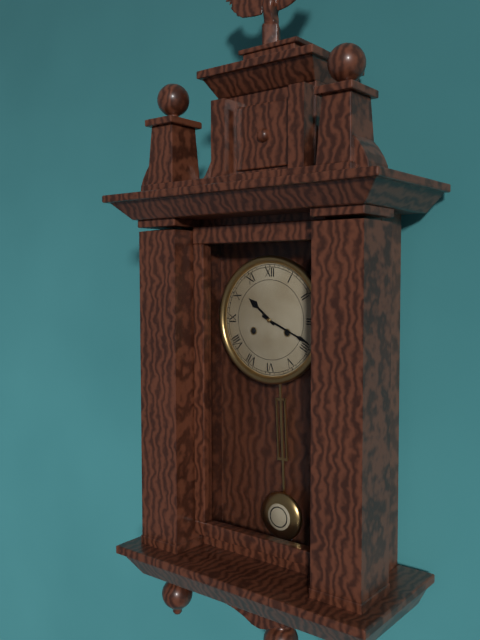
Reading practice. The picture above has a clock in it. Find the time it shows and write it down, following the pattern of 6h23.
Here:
10h19
